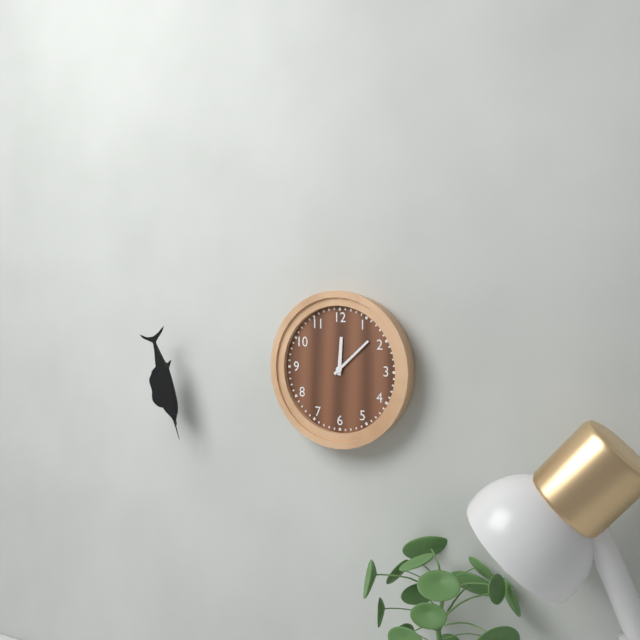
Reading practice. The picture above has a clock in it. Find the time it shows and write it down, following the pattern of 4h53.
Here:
12h08
